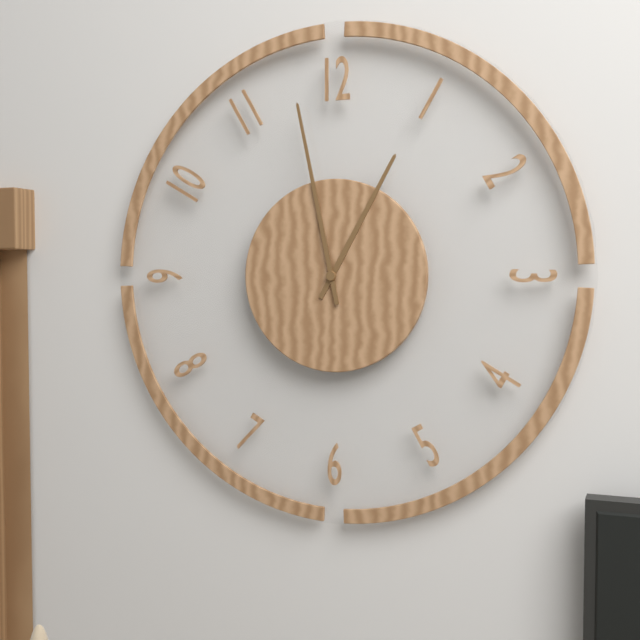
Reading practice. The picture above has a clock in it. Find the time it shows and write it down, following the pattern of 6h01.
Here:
12h58
